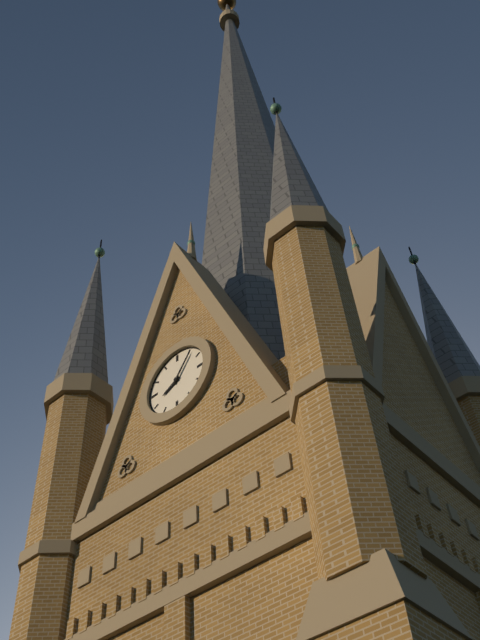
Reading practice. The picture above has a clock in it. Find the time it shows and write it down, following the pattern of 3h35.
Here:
8h06
